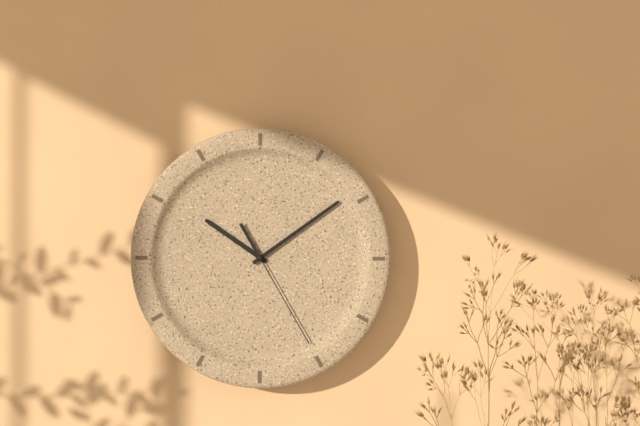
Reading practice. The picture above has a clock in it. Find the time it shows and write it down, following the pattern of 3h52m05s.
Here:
10h09m25s
